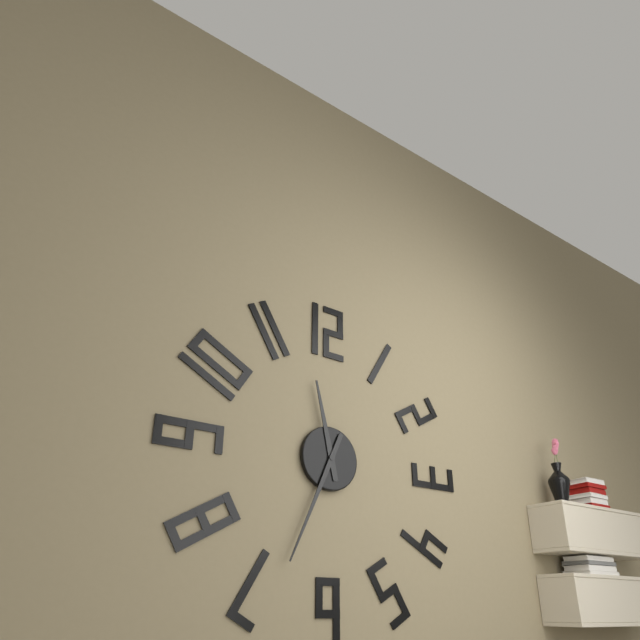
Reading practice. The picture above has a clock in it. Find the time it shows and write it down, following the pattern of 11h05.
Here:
11h34
